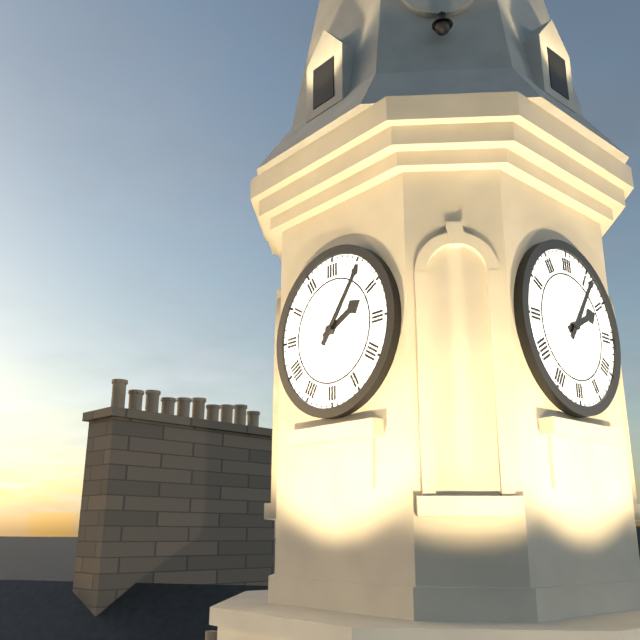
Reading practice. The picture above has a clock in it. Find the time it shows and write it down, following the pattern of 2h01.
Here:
2h06
